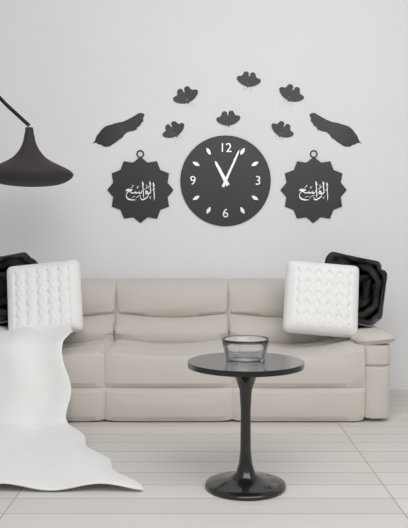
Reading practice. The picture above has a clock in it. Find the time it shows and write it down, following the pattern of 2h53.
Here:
11h04
